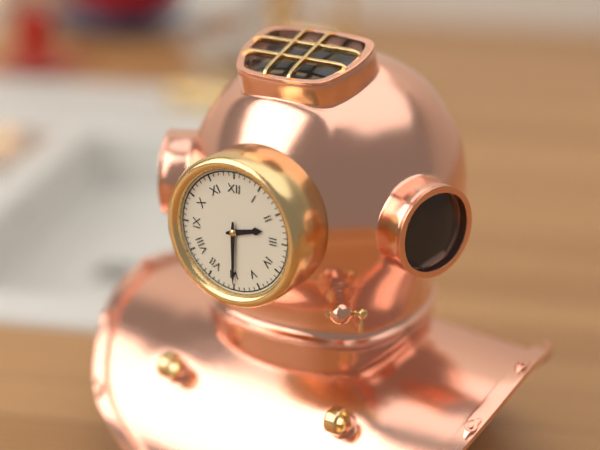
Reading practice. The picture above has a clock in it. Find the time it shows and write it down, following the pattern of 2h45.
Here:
2h30
